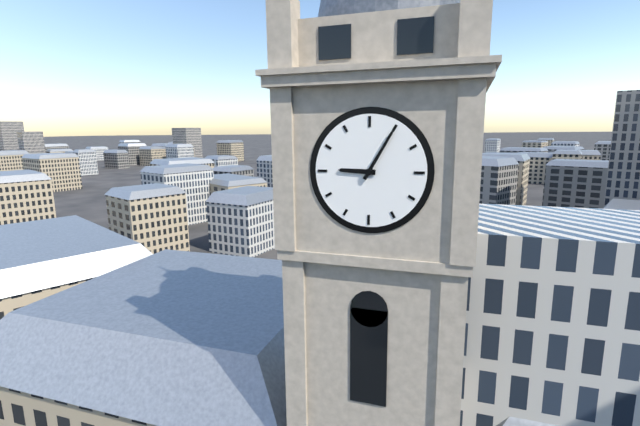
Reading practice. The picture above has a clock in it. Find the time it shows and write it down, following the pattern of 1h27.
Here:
9h05
